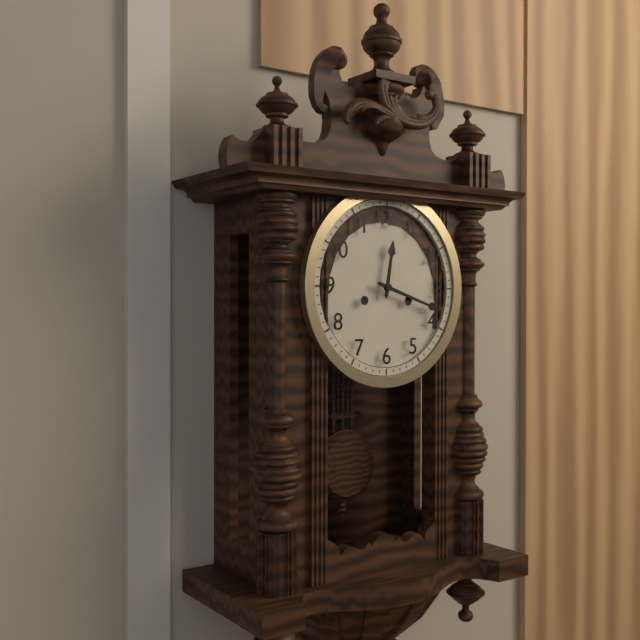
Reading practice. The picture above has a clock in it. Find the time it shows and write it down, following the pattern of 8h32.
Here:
12h18
